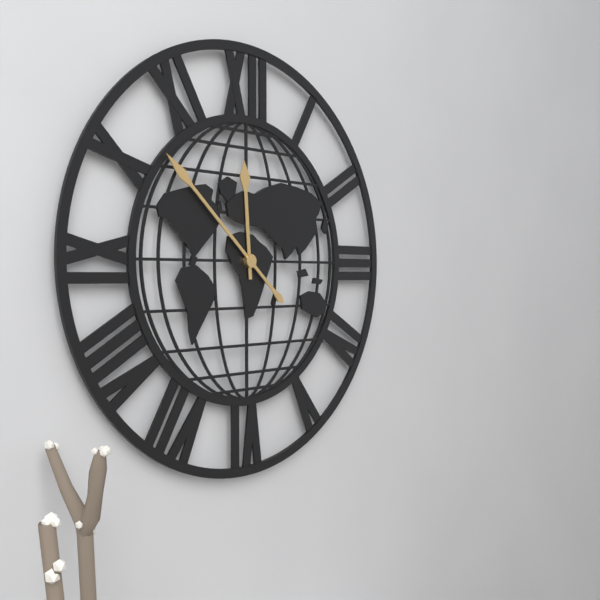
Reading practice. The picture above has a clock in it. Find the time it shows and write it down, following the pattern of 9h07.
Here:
11h52
